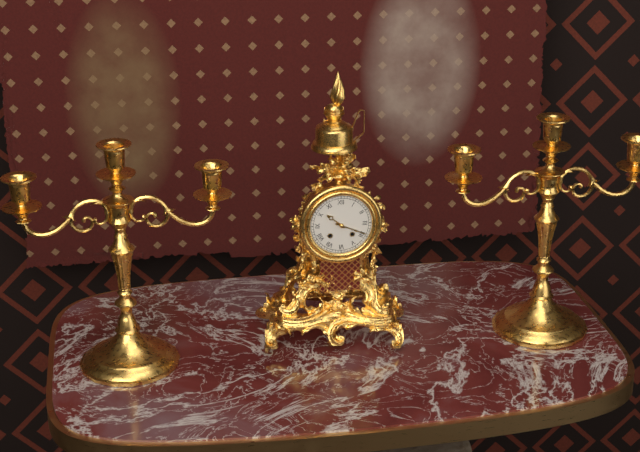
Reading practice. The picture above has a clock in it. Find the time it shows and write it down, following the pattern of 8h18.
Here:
10h19
